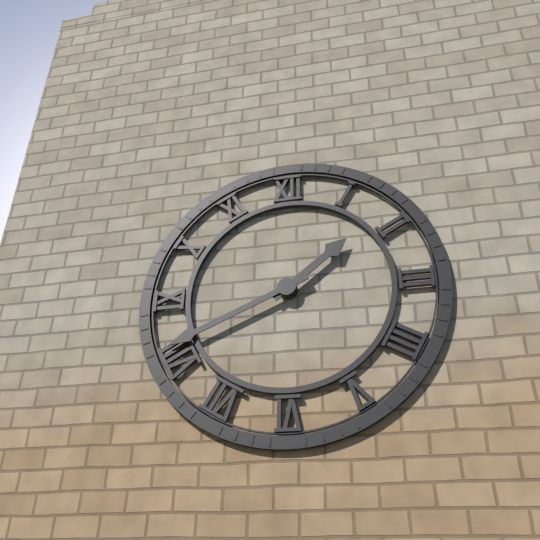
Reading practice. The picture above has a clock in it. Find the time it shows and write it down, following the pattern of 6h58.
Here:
1h41
